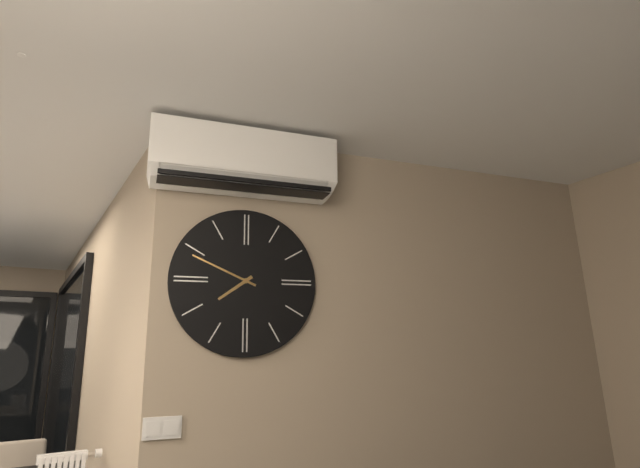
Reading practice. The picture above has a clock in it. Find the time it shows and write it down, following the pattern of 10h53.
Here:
7h49
